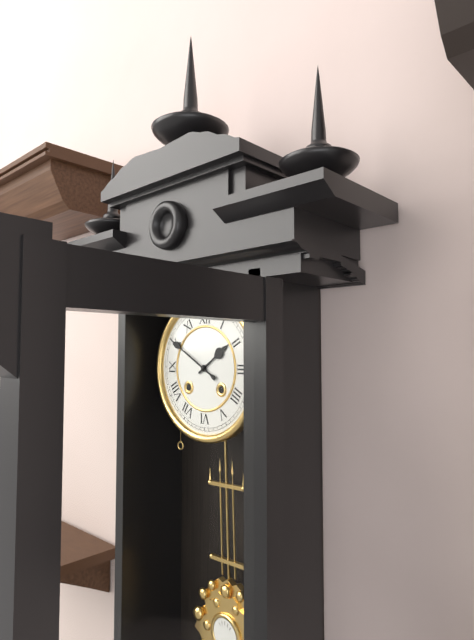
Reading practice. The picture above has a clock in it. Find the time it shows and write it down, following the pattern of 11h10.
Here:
1h50
